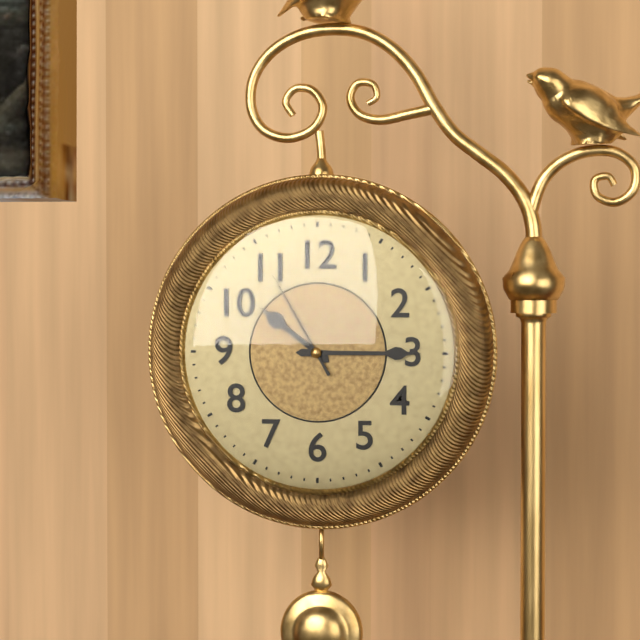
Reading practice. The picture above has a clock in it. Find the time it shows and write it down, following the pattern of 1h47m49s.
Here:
10h15m55s
